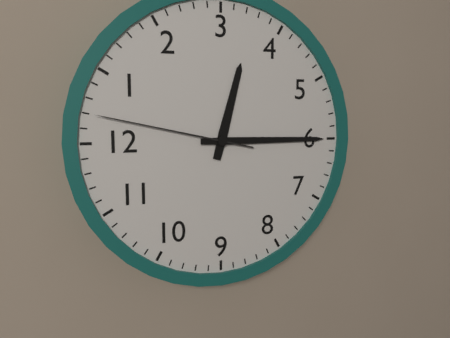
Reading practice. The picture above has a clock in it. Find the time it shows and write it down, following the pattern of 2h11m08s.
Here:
3h30m02s
